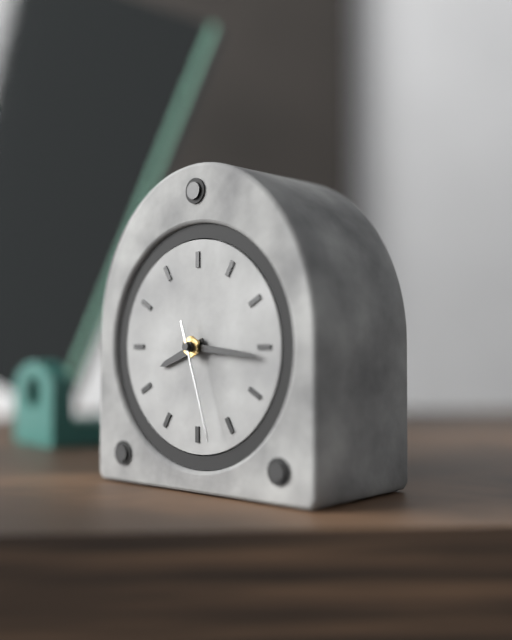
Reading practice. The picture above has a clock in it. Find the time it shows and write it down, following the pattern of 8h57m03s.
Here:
8h16m27s
